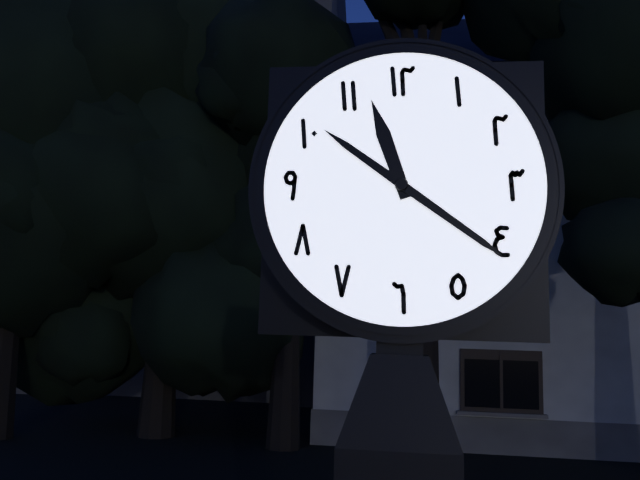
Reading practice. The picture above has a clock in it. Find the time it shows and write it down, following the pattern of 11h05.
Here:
11h21
